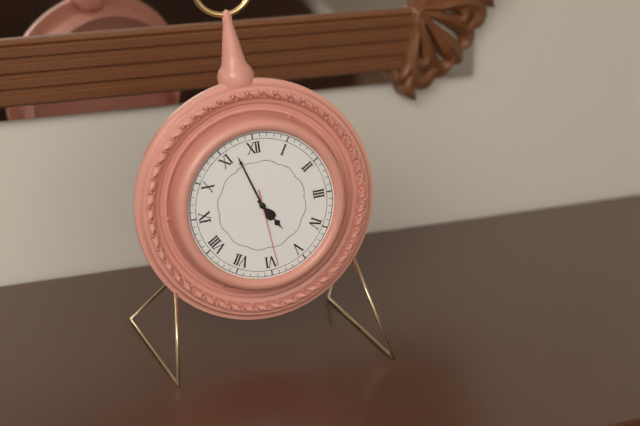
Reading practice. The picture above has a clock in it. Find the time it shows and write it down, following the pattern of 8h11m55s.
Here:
4h57m29s
